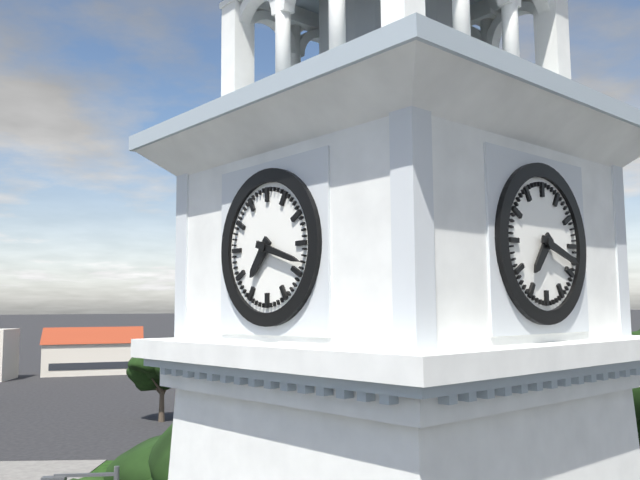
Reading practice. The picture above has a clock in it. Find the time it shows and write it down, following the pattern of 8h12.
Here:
7h18
